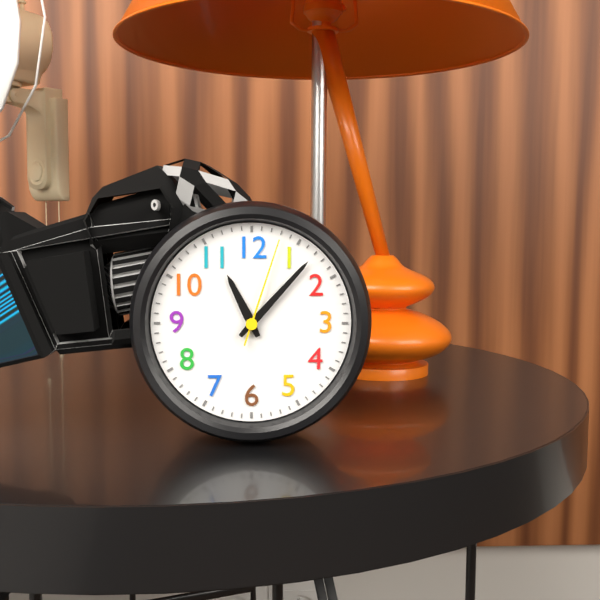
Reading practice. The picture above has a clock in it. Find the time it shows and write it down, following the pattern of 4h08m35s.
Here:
11h07m03s
